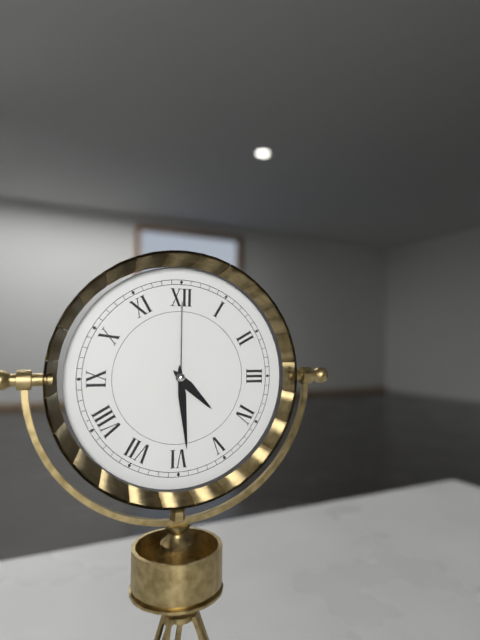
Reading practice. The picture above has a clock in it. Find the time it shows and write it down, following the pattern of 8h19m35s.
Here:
4h29m00s
